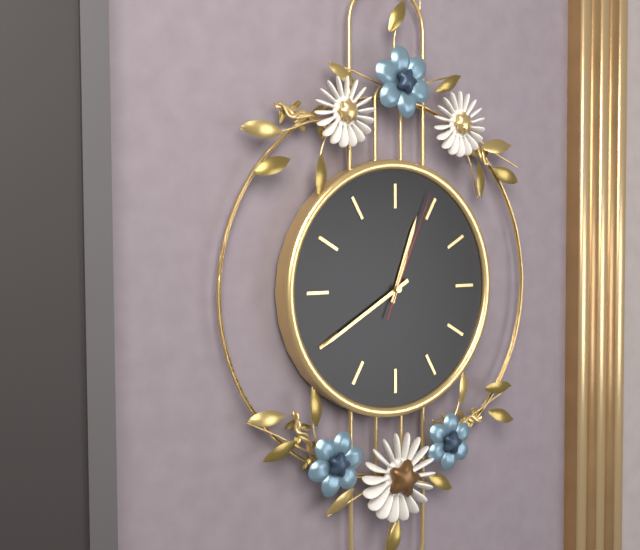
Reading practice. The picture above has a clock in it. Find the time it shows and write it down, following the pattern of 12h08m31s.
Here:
12h40m04s
